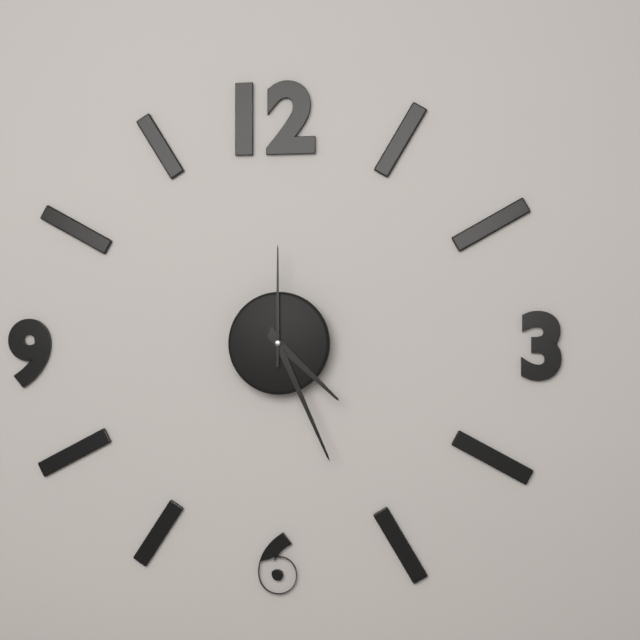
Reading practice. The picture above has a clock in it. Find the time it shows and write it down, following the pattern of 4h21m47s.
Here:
4h26m00s
